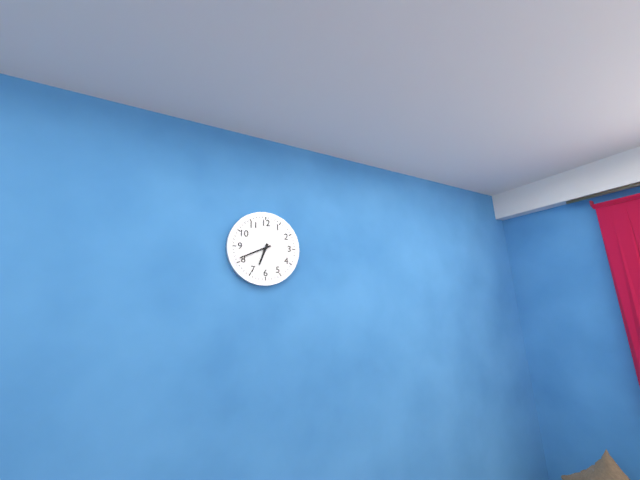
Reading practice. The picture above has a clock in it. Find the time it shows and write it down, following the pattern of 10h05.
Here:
6h41
